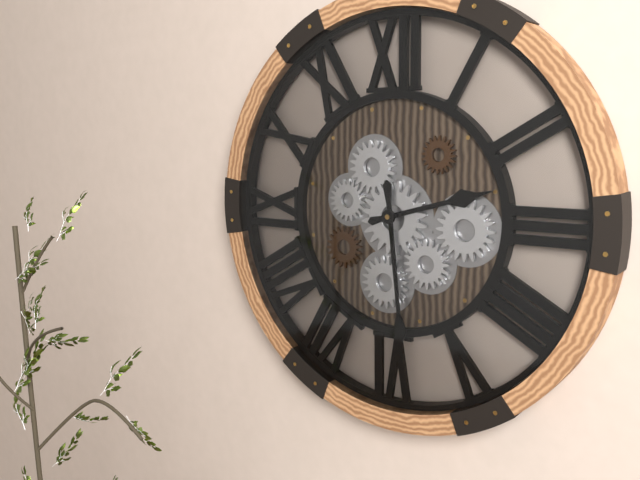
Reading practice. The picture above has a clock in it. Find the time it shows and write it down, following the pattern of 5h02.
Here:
2h29
